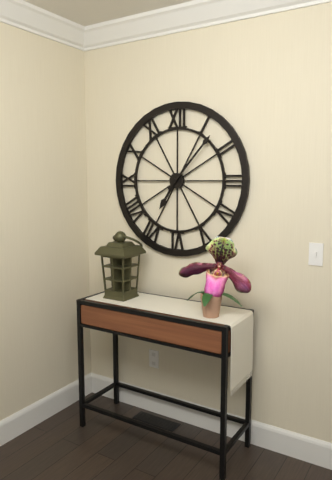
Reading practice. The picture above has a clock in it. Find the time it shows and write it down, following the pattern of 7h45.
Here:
7h07
